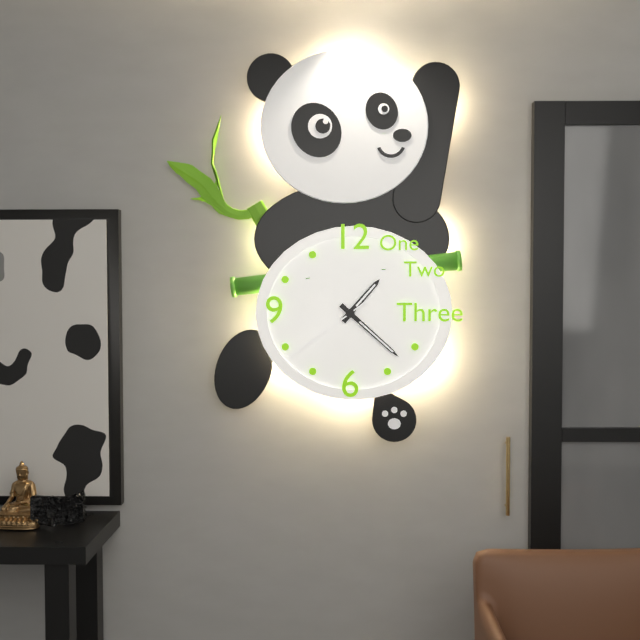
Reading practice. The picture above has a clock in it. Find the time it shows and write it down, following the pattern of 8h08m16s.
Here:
1h22m39s
